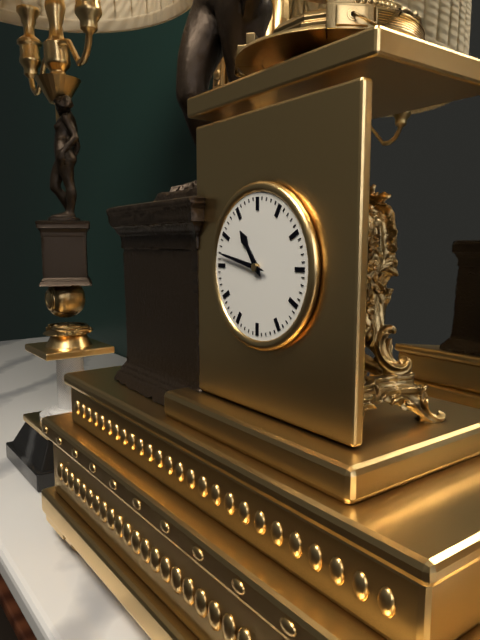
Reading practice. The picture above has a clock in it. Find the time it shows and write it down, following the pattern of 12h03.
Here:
10h47
